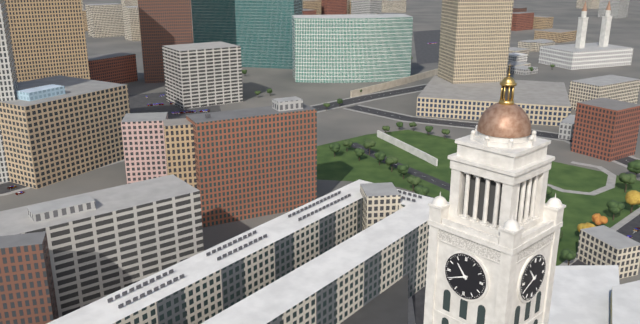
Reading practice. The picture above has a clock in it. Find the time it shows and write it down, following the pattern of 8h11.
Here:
10h41
